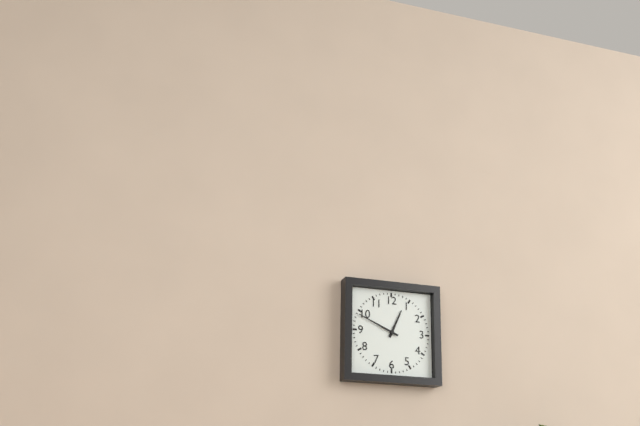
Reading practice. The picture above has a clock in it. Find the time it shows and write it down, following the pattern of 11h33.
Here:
12h49
